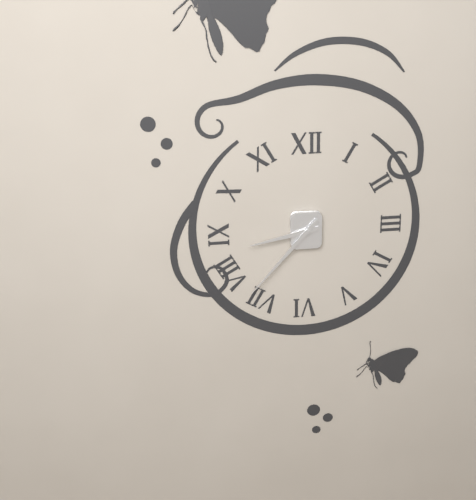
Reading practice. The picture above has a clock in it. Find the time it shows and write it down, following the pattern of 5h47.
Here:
8h37
